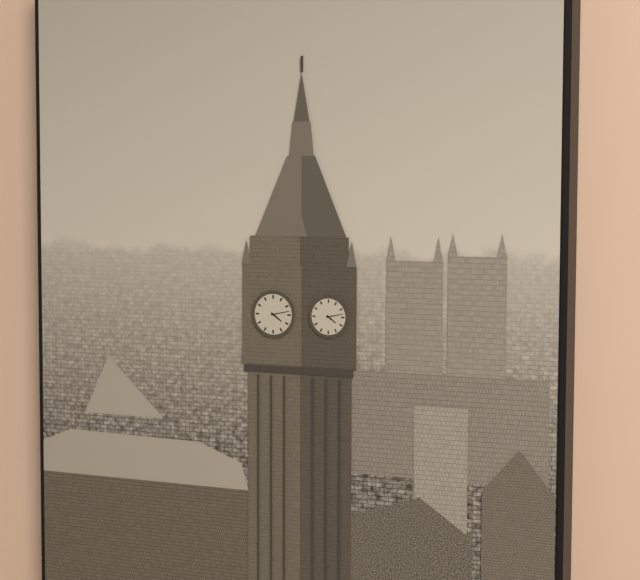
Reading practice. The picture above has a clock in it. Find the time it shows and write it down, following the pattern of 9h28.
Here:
4h13
